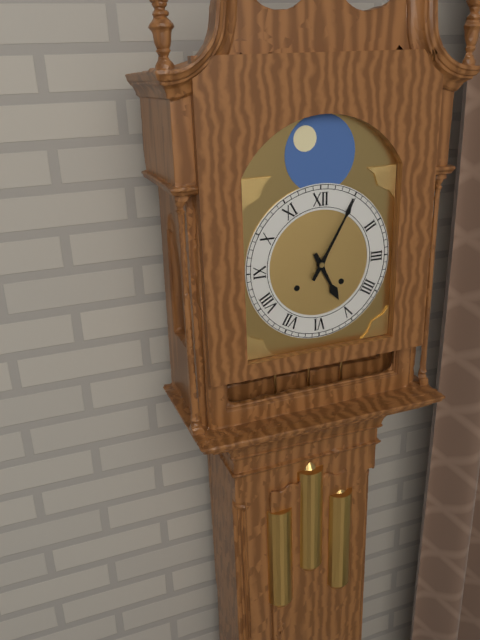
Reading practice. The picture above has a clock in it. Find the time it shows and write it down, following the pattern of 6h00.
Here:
5h05
